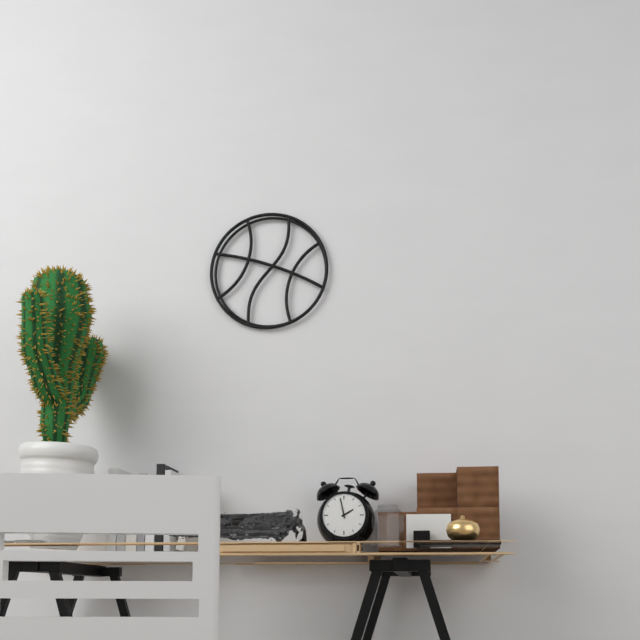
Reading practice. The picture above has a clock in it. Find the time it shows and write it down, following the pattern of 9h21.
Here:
1h58
